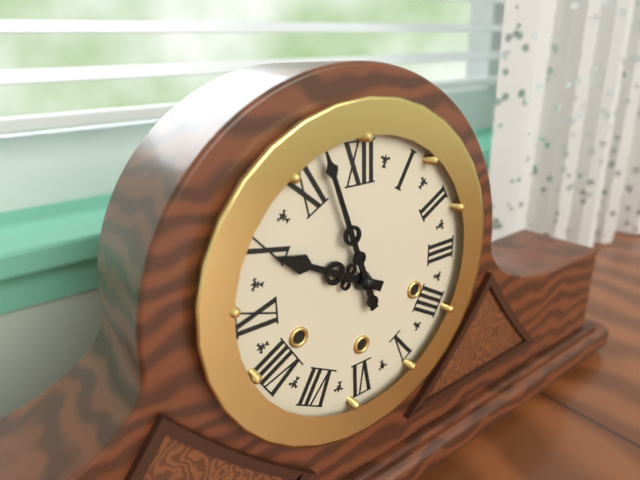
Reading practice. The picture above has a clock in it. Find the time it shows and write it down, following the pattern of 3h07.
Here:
9h57
